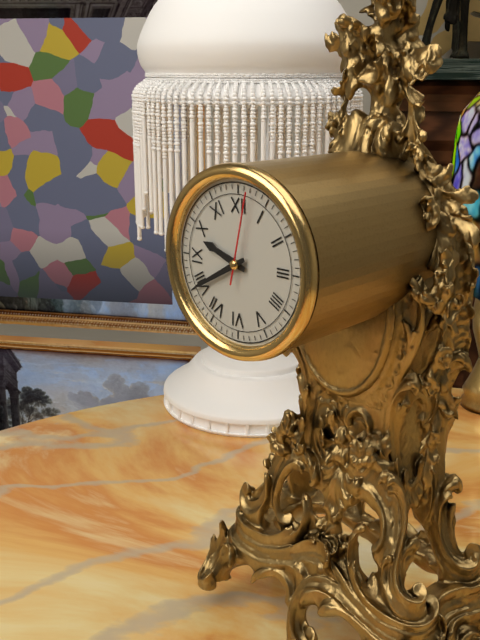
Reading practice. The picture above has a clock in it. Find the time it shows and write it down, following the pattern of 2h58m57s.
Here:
9h40m02s
